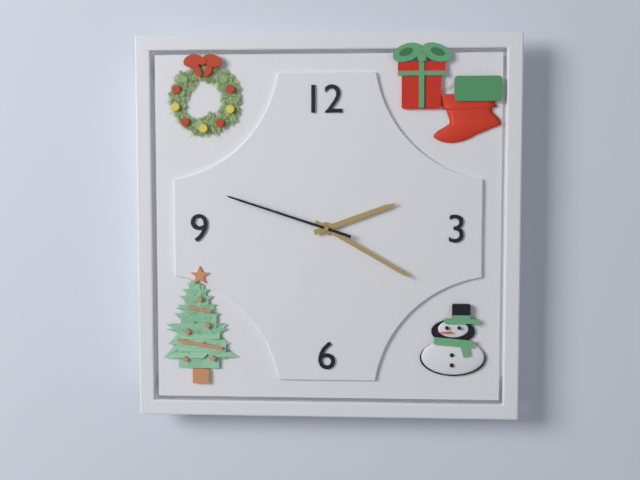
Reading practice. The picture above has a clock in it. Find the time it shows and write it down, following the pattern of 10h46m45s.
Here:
2h20m48s
